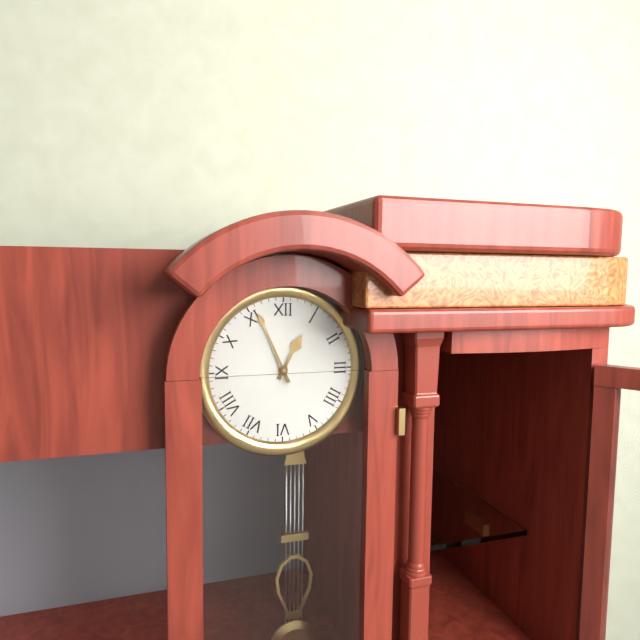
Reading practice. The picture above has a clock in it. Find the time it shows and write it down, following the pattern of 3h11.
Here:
12h56
